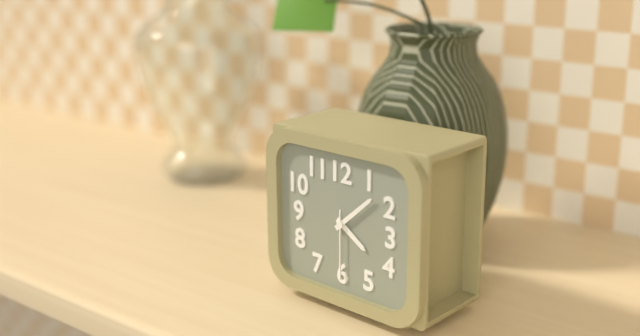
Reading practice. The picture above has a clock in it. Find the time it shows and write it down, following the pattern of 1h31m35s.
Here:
4h08m30s
